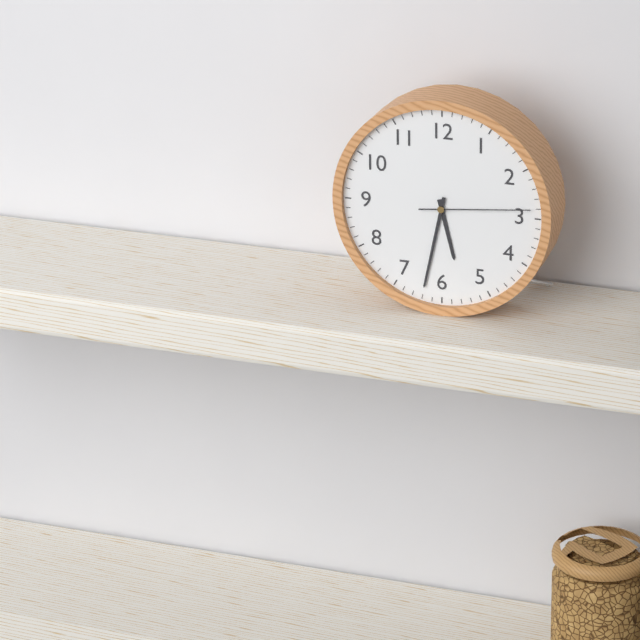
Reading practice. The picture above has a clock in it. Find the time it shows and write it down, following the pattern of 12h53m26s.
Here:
5h32m14s
